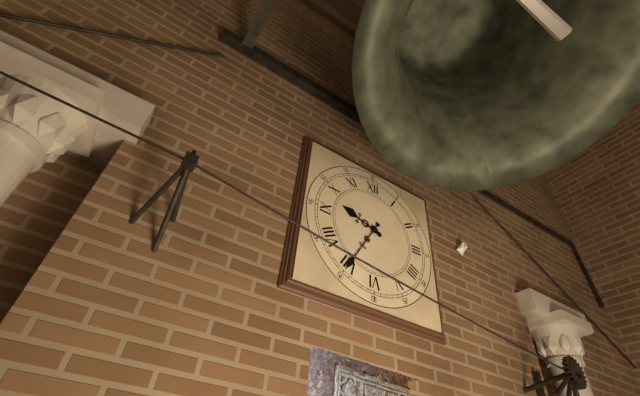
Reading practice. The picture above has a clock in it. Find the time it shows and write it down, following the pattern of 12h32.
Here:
9h35
